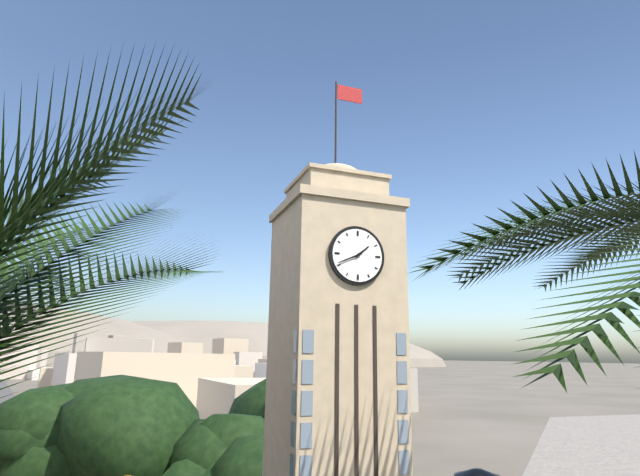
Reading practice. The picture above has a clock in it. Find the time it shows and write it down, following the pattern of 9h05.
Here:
1h41
